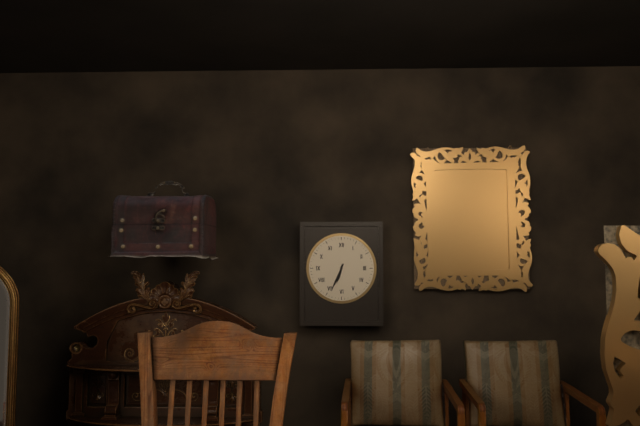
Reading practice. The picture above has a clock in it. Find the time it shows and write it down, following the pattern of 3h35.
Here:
6h34
